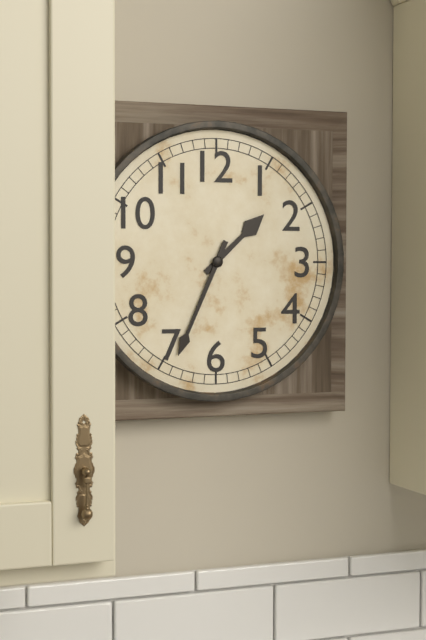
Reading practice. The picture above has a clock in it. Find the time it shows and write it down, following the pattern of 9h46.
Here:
1h34
